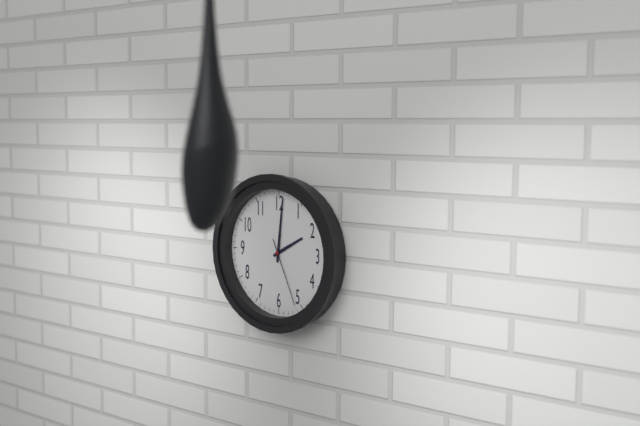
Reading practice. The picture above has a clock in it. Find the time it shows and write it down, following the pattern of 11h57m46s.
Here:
2h01m26s
